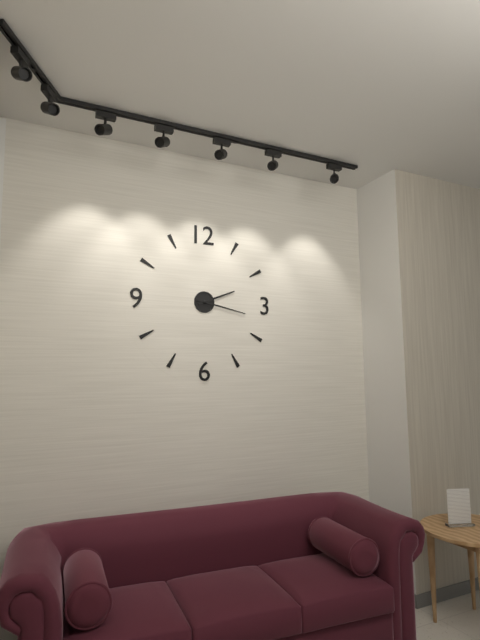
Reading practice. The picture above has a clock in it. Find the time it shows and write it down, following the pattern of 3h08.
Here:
2h17
